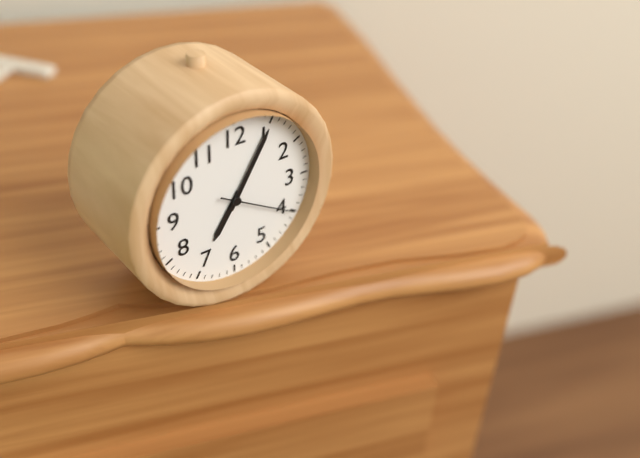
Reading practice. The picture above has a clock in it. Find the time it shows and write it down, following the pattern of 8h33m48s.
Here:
7h05m20s
